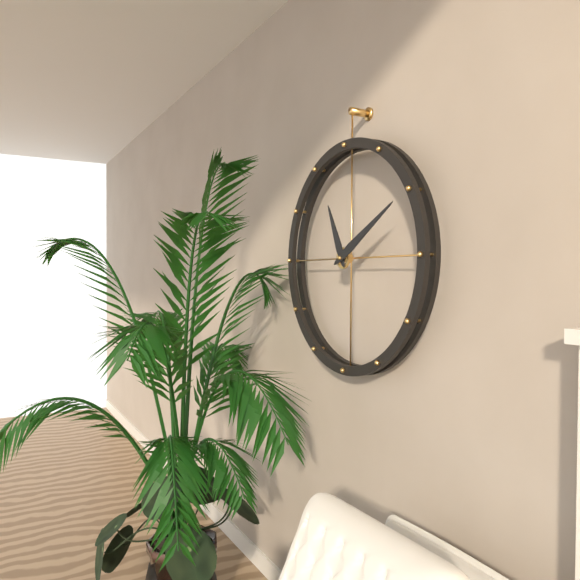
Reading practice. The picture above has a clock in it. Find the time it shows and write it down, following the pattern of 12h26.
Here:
11h10
